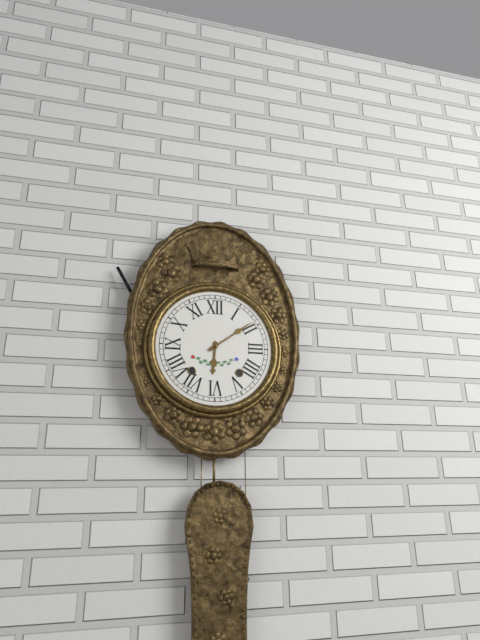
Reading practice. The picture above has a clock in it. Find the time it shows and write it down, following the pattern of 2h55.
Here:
6h09
